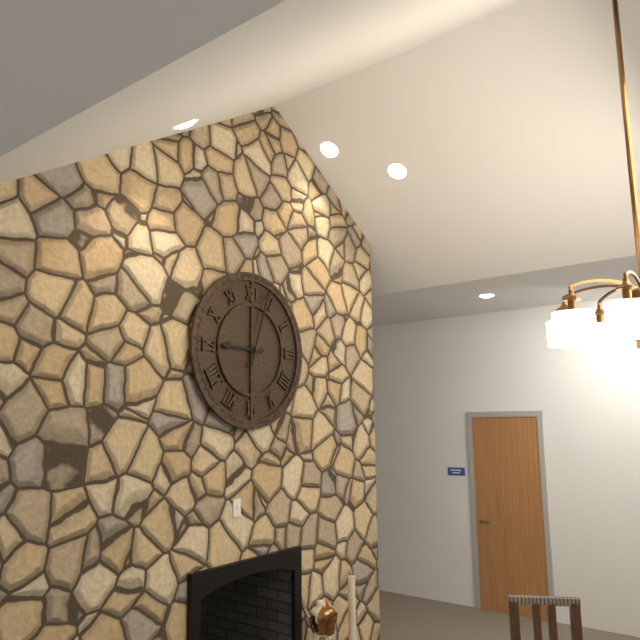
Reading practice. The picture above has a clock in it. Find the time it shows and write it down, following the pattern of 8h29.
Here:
9h03
